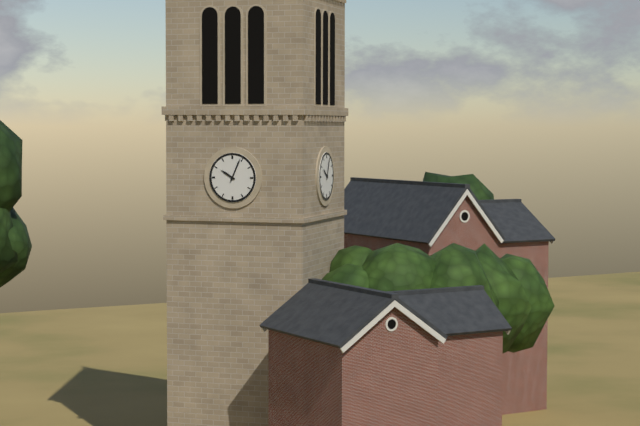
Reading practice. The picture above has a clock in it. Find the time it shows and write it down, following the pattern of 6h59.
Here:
10h04
